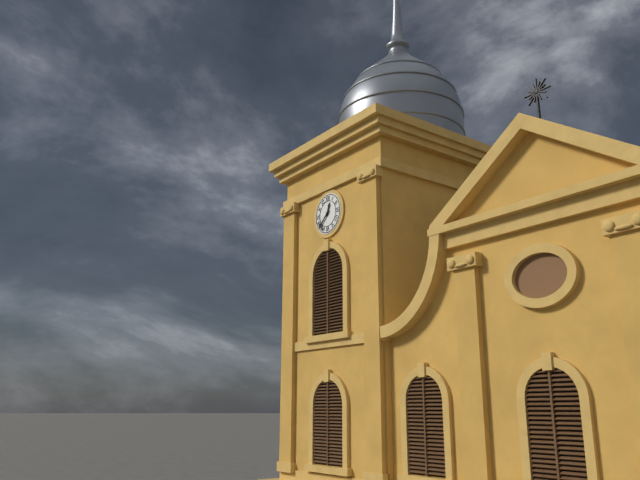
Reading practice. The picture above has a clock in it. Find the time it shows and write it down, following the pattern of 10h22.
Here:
12h38
